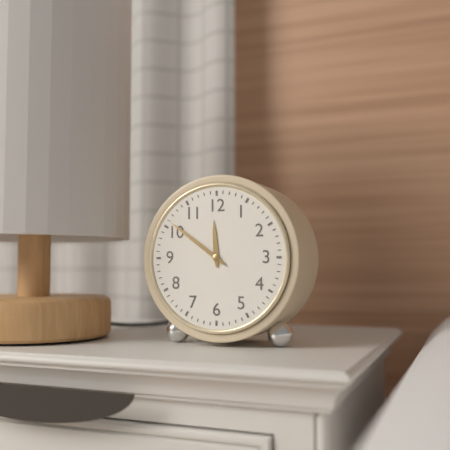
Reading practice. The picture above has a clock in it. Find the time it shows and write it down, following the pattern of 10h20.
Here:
11h51
